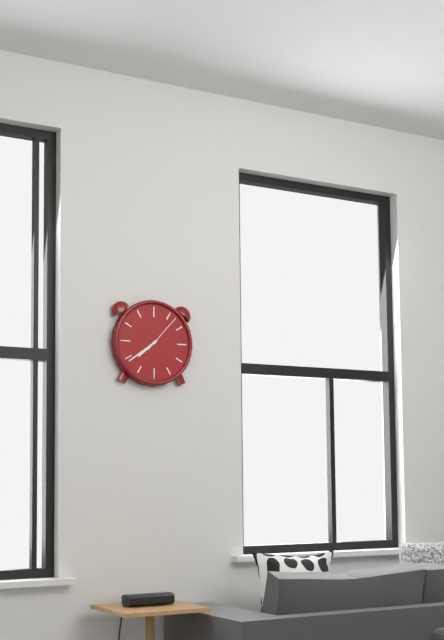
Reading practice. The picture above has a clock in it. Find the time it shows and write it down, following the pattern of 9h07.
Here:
7h39
